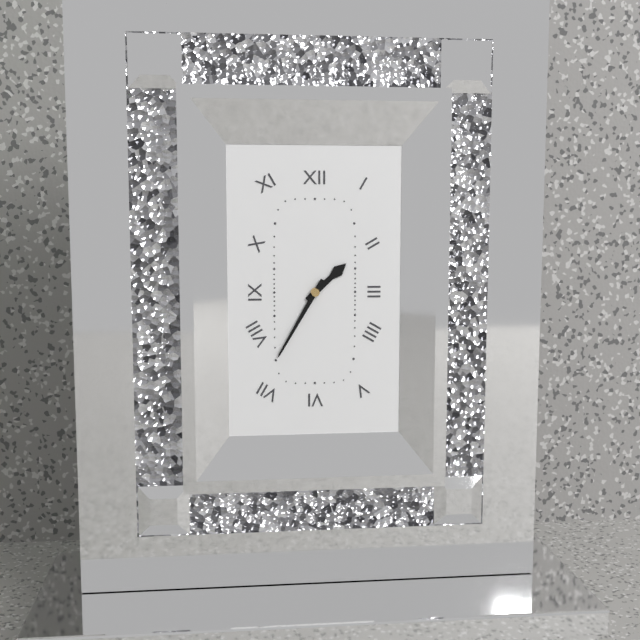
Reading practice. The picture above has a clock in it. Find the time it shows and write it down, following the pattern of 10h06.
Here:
1h35
